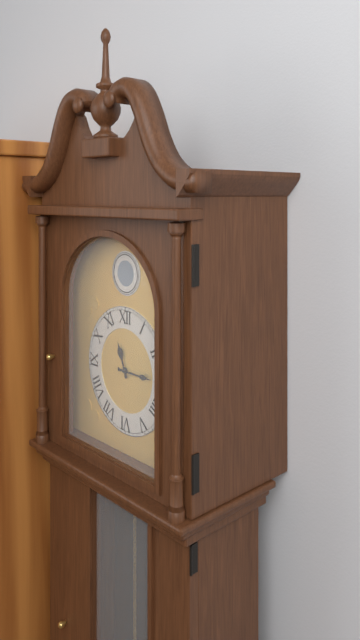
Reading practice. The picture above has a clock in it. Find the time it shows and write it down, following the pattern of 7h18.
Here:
11h15
